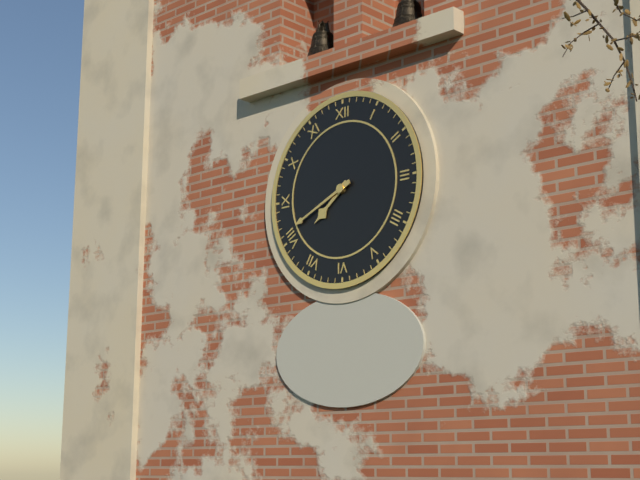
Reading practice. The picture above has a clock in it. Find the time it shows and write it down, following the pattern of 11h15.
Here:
7h41
